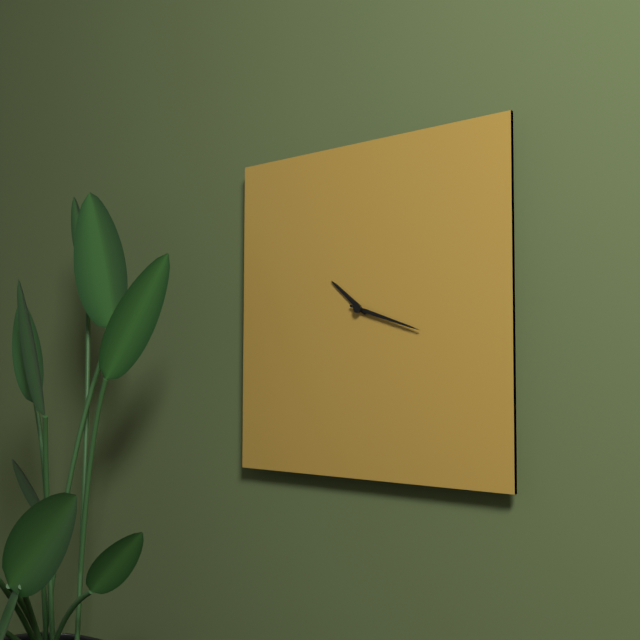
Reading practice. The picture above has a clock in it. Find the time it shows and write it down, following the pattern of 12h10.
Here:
10h18
